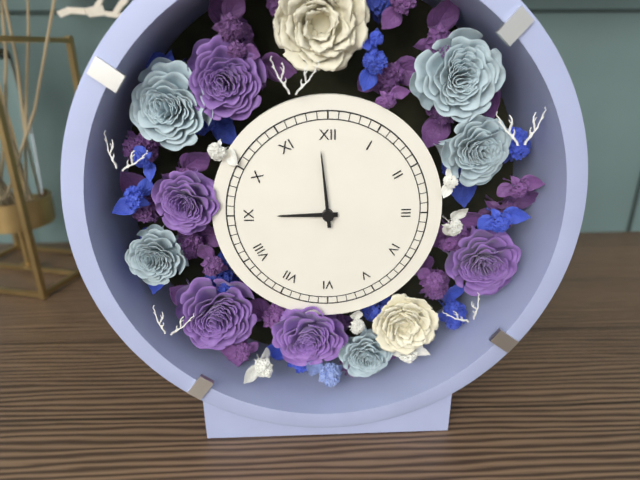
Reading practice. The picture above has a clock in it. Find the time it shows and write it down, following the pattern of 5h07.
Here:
8h59
